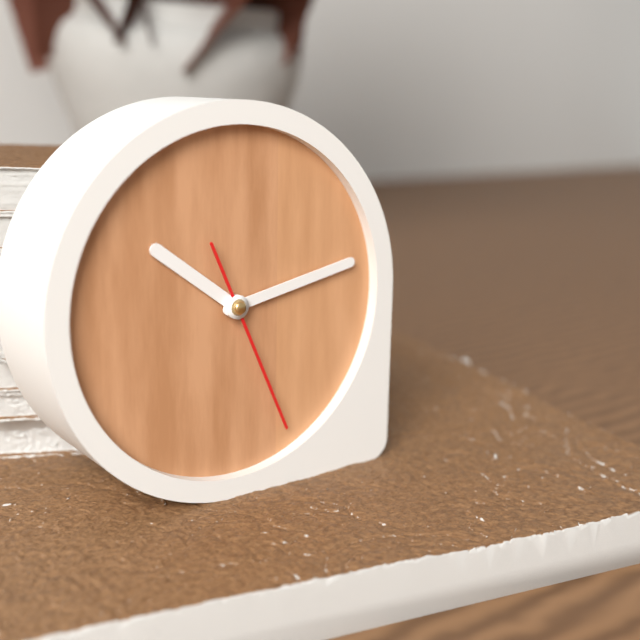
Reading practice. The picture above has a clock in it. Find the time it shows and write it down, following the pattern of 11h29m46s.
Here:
10h13m26s
